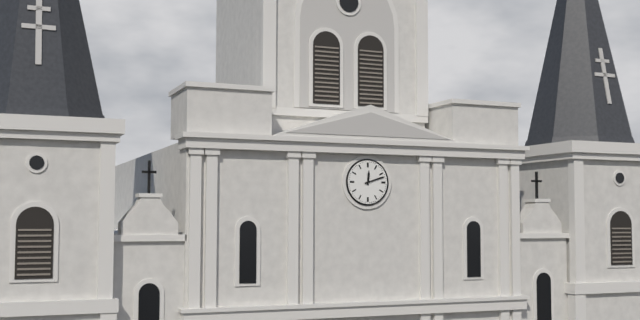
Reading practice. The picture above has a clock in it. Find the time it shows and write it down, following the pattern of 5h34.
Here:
12h12
